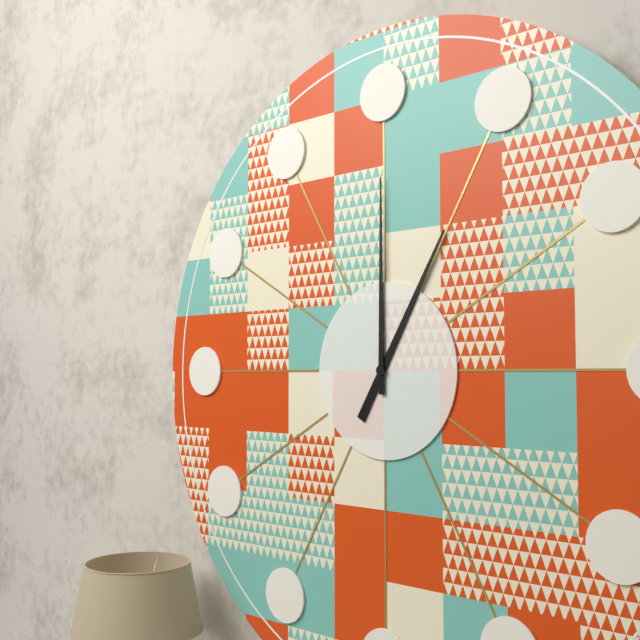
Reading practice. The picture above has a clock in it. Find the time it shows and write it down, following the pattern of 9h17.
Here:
1h00
